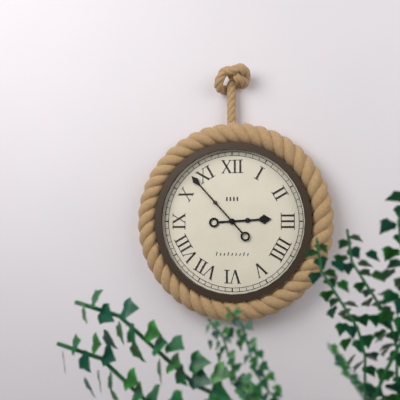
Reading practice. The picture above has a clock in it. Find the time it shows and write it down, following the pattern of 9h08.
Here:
2h53
